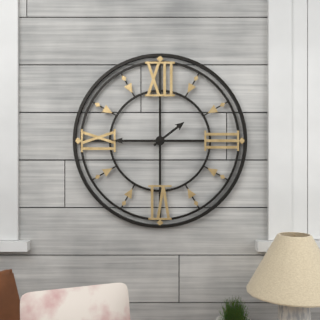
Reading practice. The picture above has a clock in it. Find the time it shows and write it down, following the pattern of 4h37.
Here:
1h45
